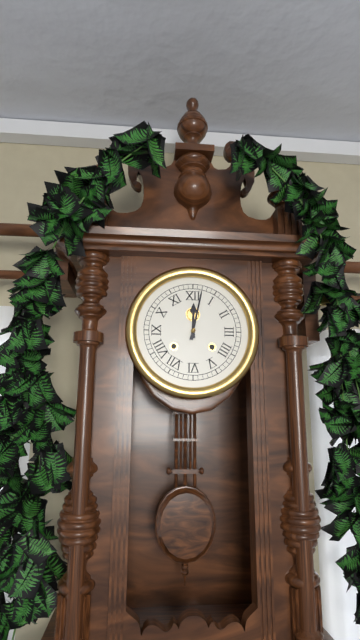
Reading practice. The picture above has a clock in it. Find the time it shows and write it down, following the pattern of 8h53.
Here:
12h02
